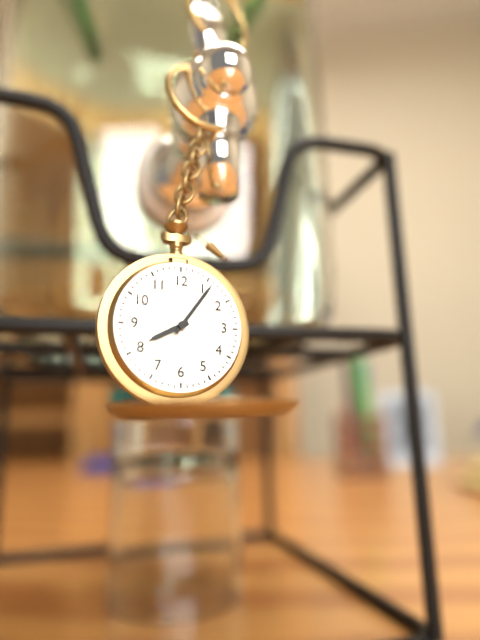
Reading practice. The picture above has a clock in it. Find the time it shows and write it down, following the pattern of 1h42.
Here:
8h06
